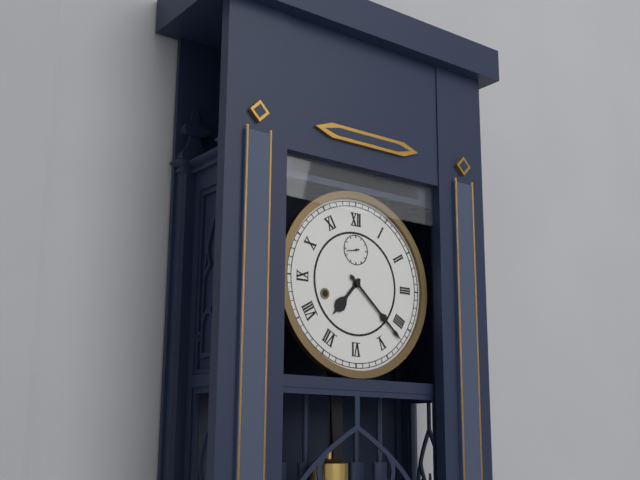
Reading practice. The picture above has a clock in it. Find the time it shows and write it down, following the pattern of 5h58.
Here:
7h22
